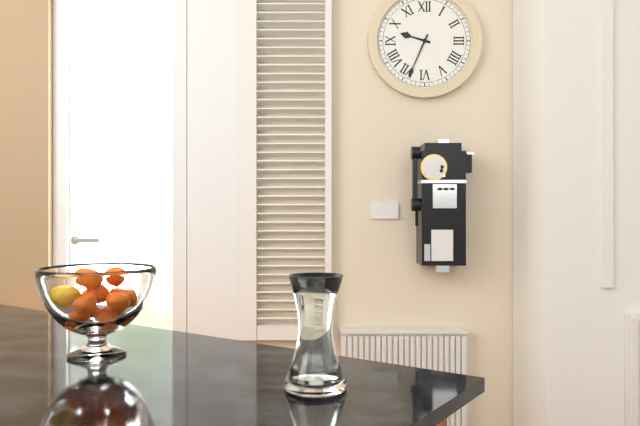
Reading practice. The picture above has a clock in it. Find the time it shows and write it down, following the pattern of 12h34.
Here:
9h34
